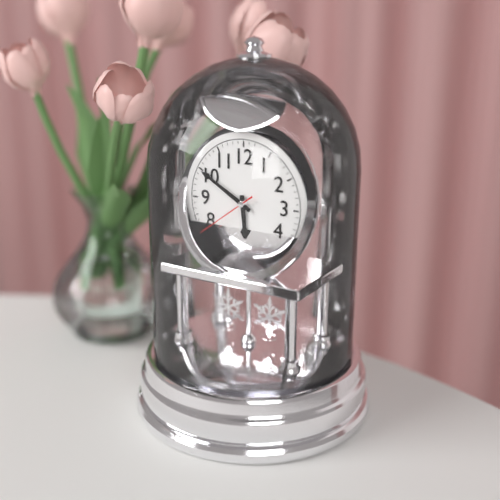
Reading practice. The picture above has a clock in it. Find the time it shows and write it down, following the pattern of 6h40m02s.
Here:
5h50m39s
